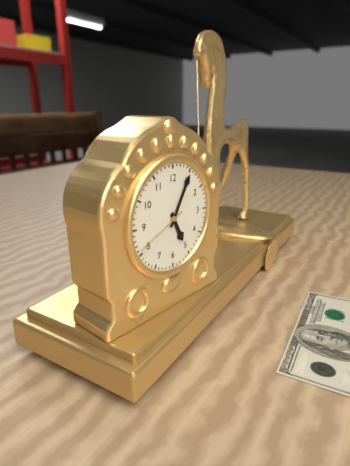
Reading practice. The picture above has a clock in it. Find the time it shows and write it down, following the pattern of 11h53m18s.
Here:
5h05m41s
